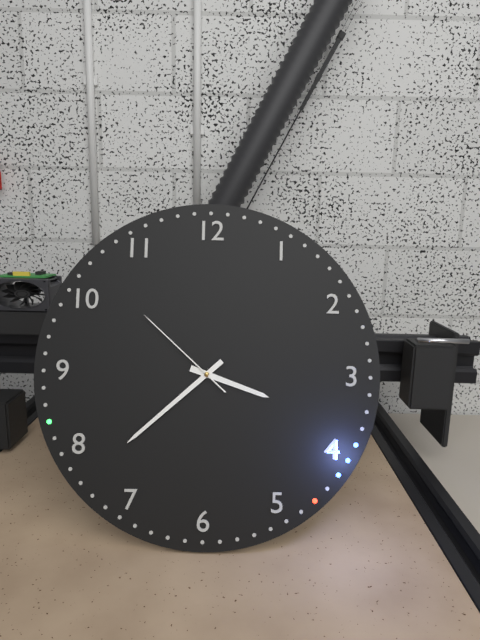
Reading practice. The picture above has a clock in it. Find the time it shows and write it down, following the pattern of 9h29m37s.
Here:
3h38m52s
